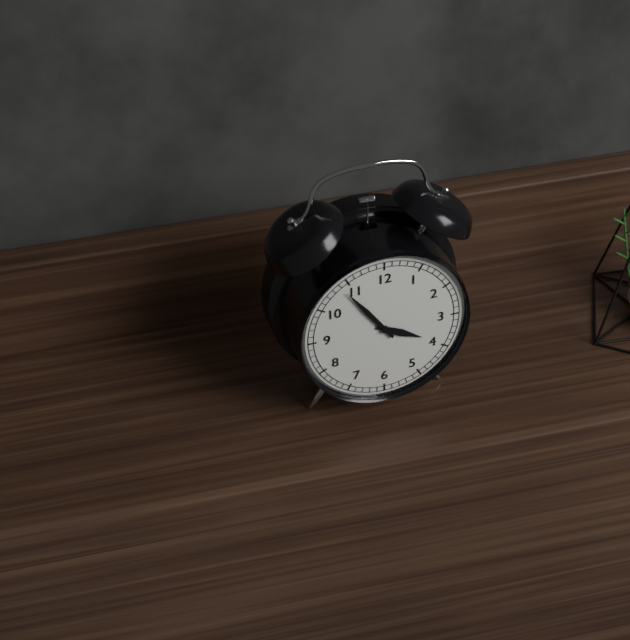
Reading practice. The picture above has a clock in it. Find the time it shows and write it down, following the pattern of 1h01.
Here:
3h54
